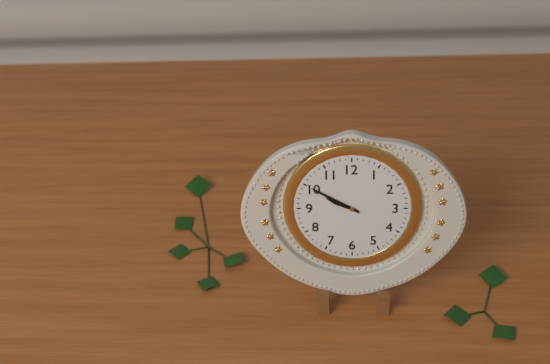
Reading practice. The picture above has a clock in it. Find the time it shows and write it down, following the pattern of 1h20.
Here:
9h50
